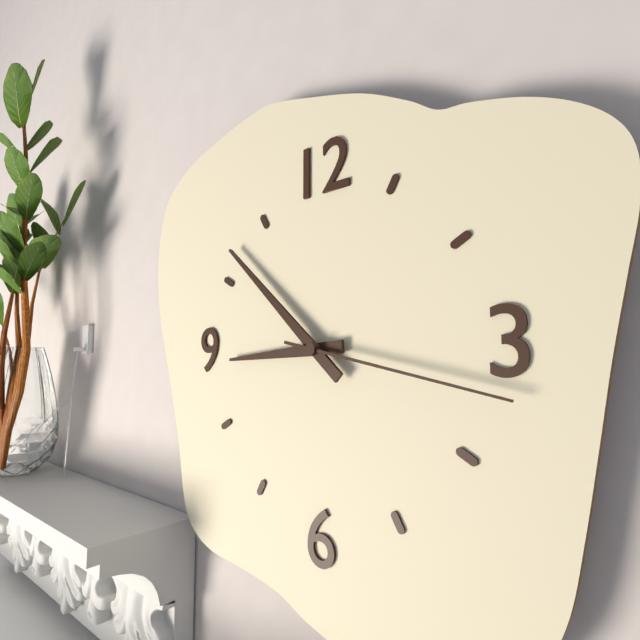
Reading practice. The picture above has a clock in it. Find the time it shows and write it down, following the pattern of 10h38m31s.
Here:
8h52m17s
